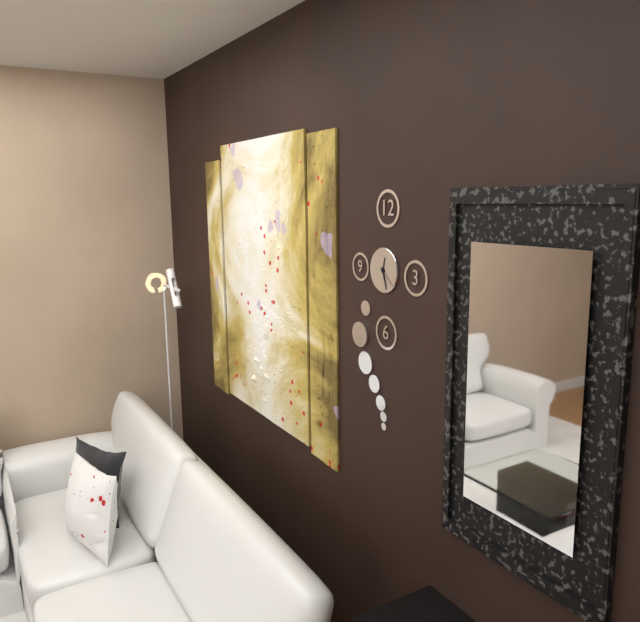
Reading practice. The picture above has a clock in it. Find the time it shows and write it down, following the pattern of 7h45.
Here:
12h27
